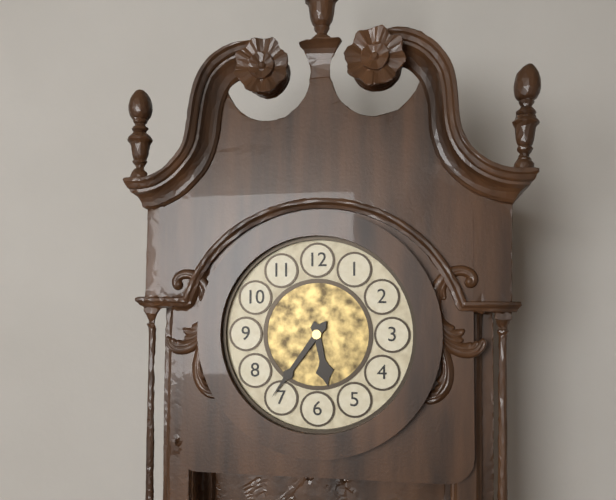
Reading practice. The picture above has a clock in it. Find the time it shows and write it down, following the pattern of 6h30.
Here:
5h36
